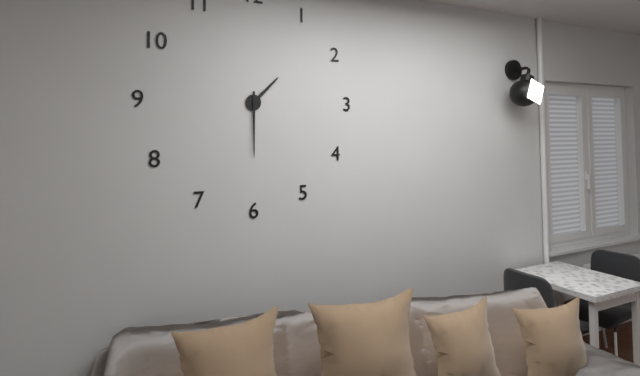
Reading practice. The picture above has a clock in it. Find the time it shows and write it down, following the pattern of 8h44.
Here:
1h30
